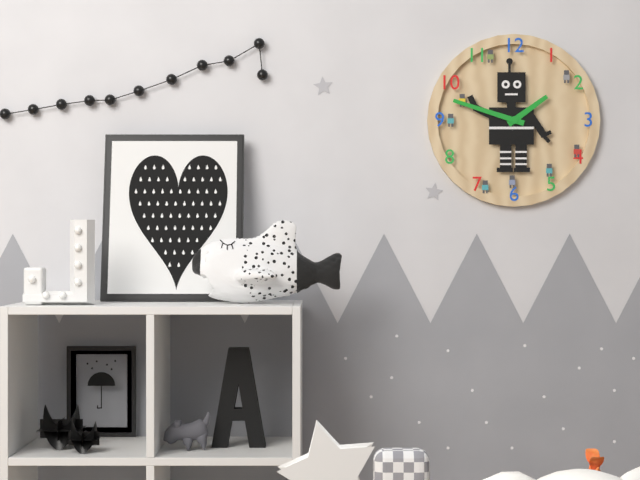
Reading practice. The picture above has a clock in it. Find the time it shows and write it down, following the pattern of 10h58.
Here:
1h48
